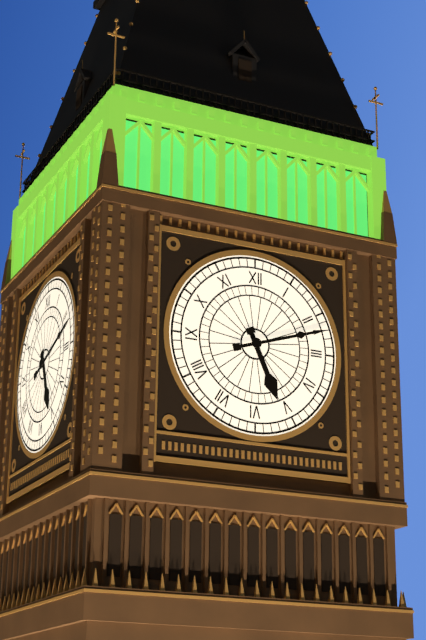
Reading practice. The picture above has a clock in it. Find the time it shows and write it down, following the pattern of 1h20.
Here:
5h12
